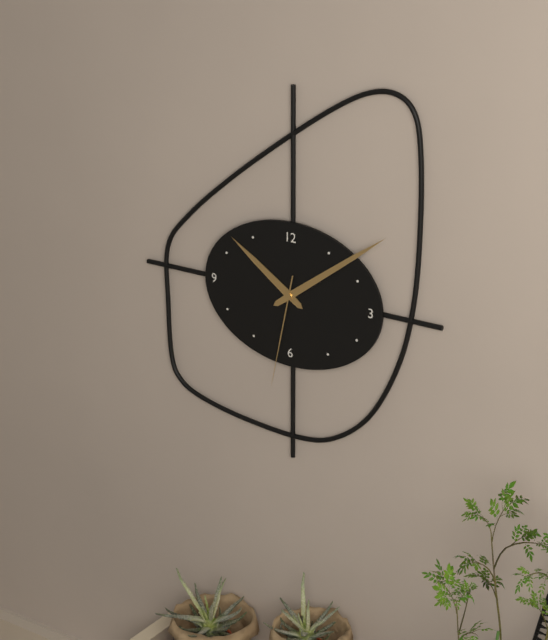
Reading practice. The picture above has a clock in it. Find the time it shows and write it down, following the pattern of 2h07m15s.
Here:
10h09m32s
